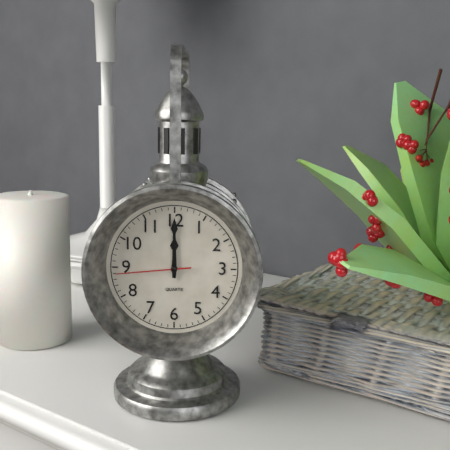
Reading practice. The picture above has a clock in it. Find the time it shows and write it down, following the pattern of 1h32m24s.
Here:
12h00m44s
